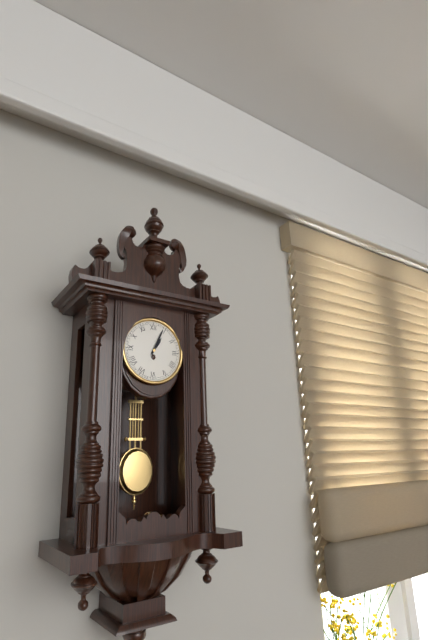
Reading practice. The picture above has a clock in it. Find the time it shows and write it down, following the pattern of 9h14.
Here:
1h04
